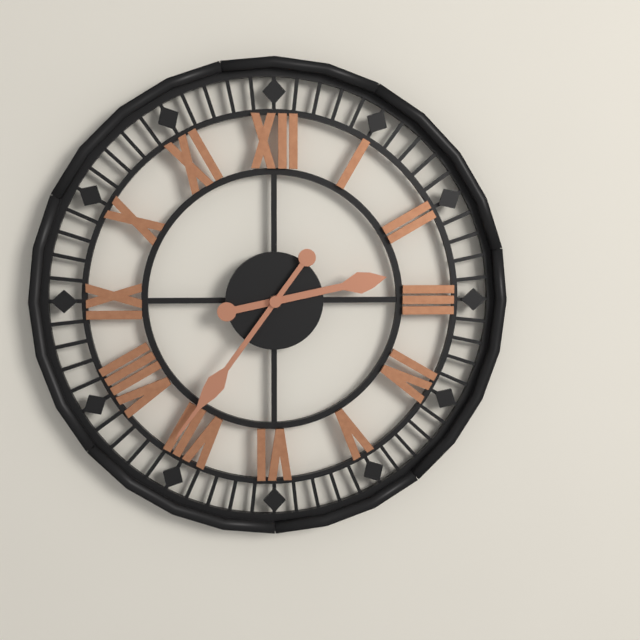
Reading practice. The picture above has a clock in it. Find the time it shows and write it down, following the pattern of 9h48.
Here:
2h36
